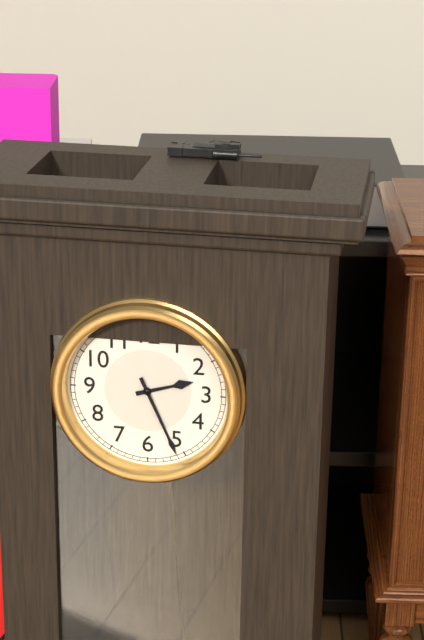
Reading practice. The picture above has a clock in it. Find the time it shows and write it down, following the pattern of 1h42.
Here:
2h26
